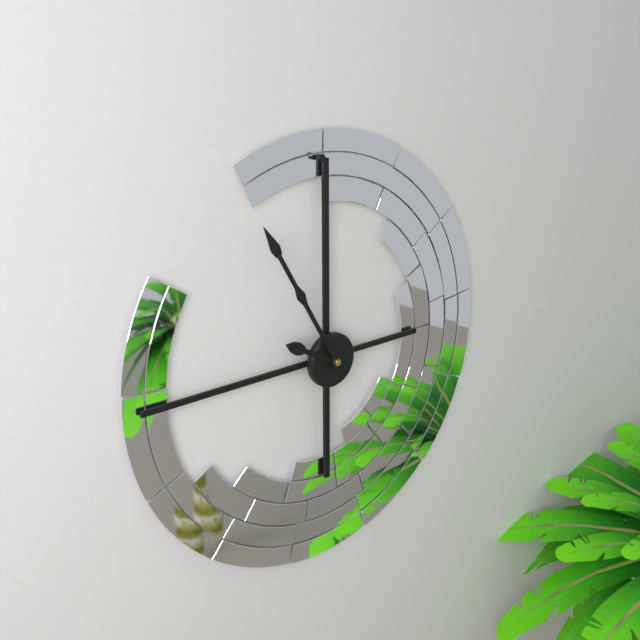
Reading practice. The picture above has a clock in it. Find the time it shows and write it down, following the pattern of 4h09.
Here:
9h55
